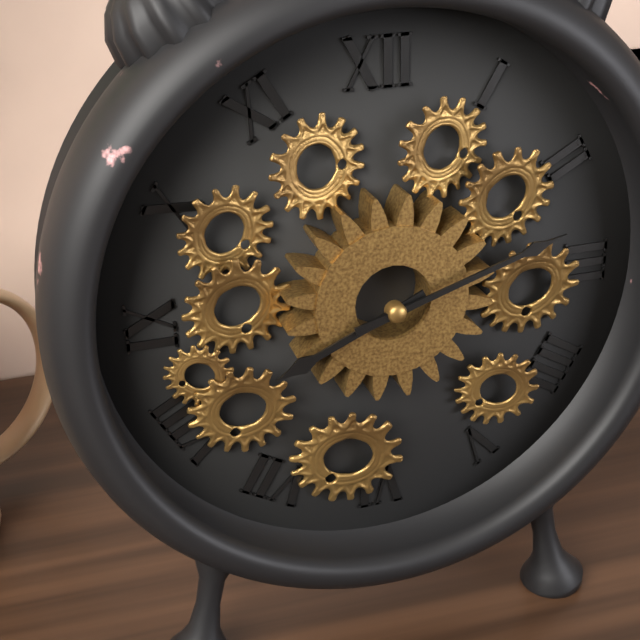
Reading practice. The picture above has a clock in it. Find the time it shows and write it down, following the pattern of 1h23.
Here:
8h12
